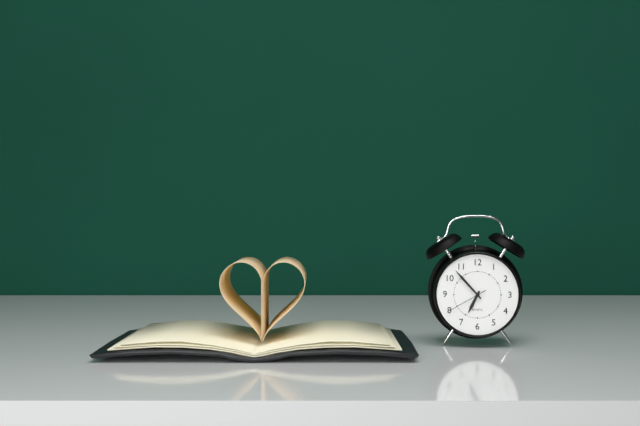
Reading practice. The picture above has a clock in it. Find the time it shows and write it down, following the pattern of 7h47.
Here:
6h53
